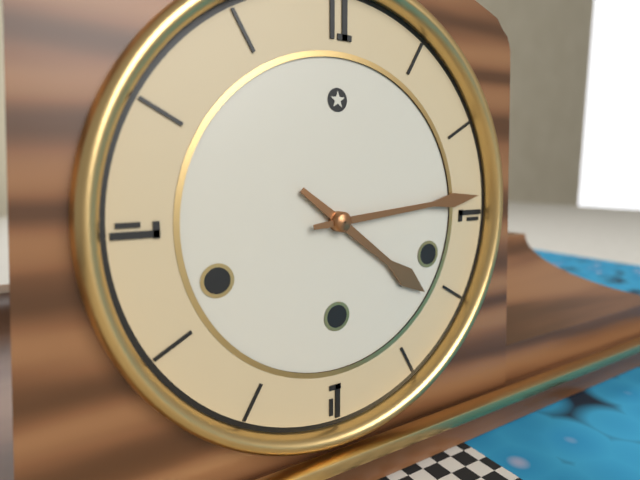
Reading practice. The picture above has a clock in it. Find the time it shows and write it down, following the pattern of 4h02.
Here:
4h14
